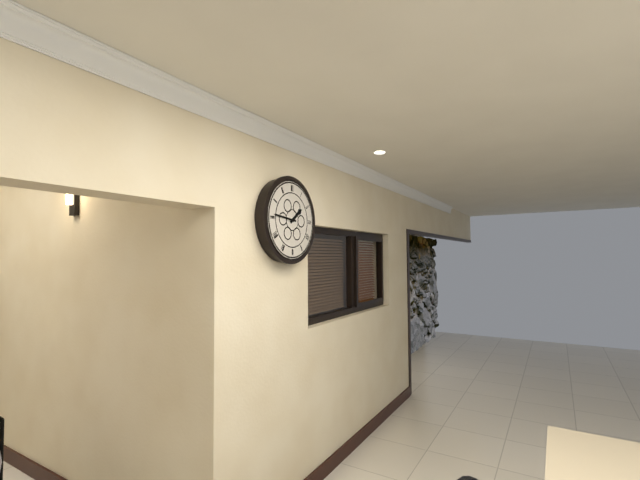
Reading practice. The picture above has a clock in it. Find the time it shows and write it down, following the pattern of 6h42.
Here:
1h46
